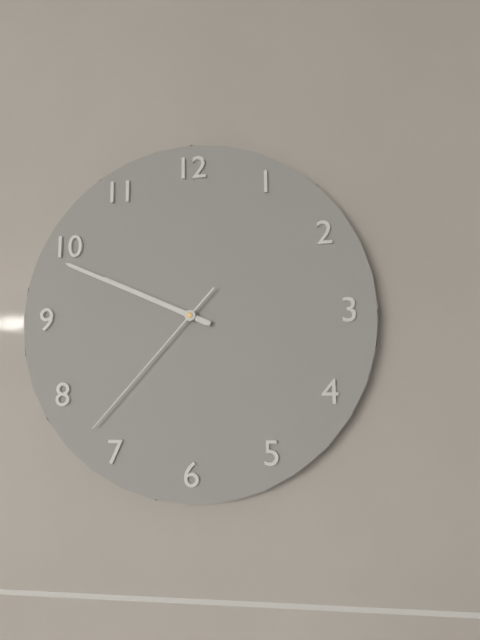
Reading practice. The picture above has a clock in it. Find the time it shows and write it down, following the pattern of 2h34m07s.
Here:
9h49m37s
